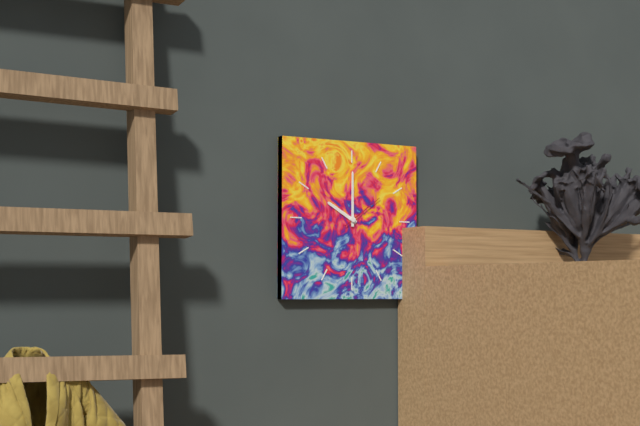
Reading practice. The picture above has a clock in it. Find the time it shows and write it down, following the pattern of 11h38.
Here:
10h00
